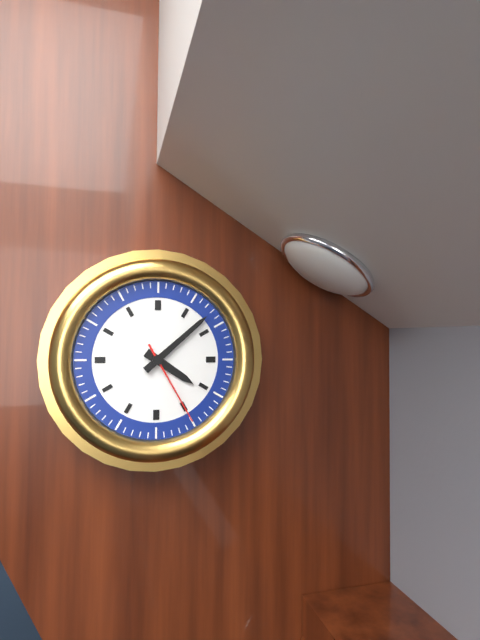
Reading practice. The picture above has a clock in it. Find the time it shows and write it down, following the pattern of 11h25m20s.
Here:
4h08m25s
